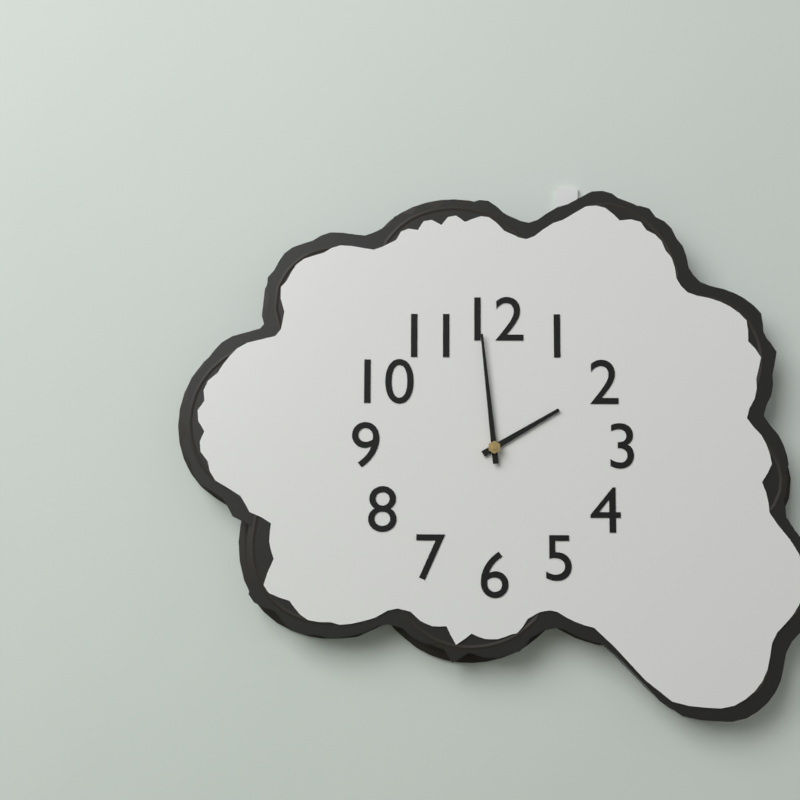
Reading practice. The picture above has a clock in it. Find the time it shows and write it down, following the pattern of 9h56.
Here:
1h59
